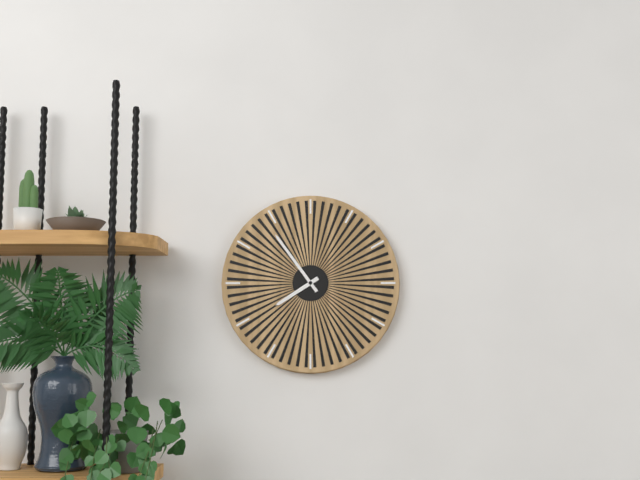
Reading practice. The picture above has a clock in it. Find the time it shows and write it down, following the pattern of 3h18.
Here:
7h54
